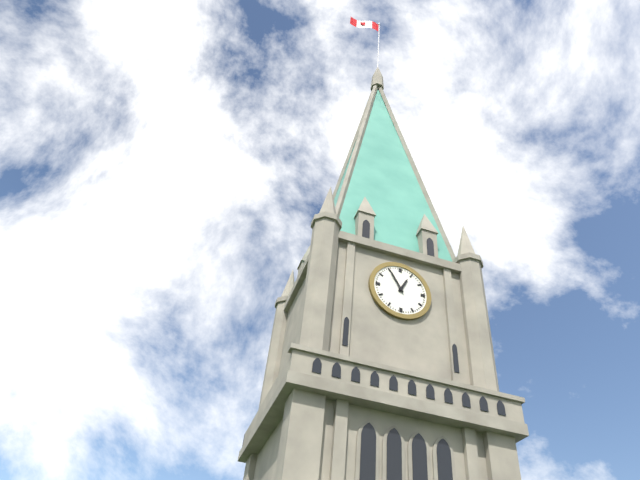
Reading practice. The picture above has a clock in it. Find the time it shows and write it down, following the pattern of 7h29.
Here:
12h55
